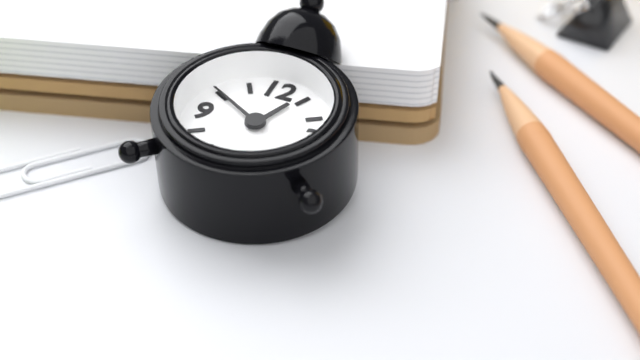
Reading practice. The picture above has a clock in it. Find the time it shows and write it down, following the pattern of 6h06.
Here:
12h50
